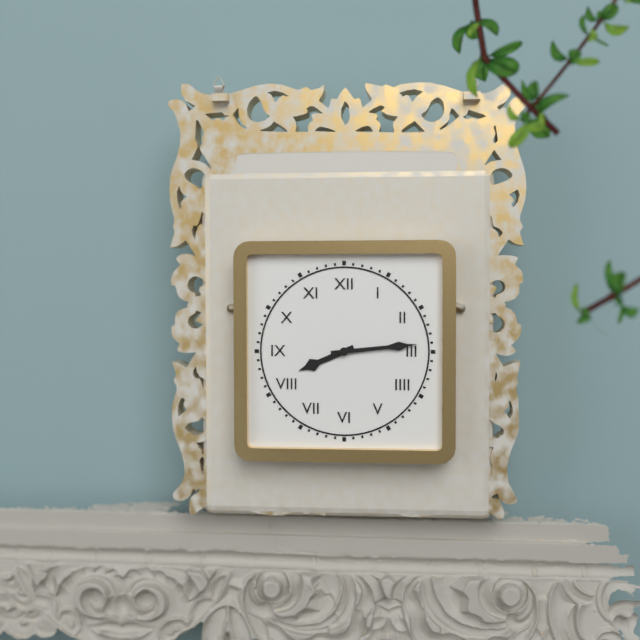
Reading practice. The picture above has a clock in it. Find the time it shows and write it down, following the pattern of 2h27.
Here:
8h14
